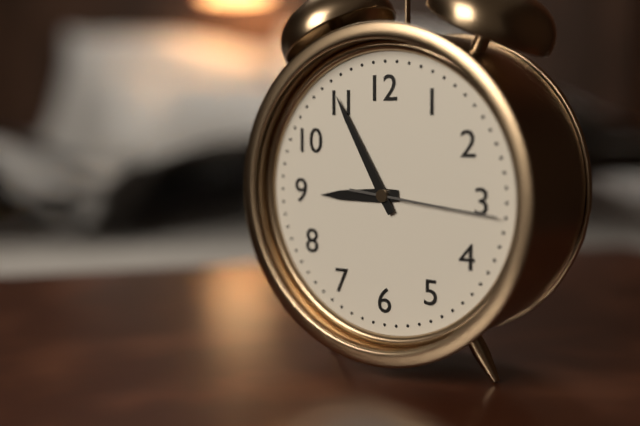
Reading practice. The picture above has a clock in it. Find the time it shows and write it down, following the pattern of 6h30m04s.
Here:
8h55m16s
